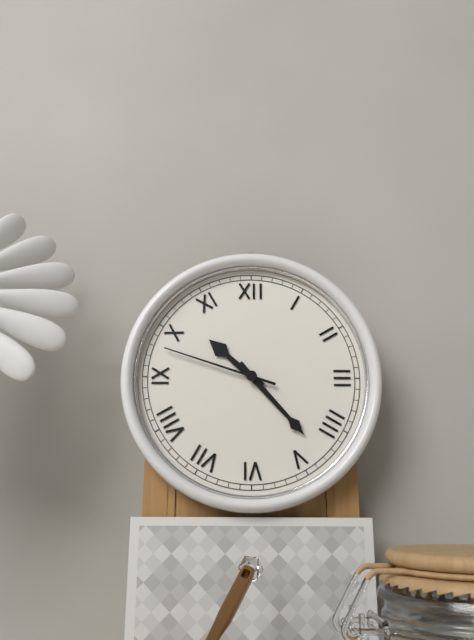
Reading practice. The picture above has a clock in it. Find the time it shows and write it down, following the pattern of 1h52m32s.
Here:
10h23m48s
